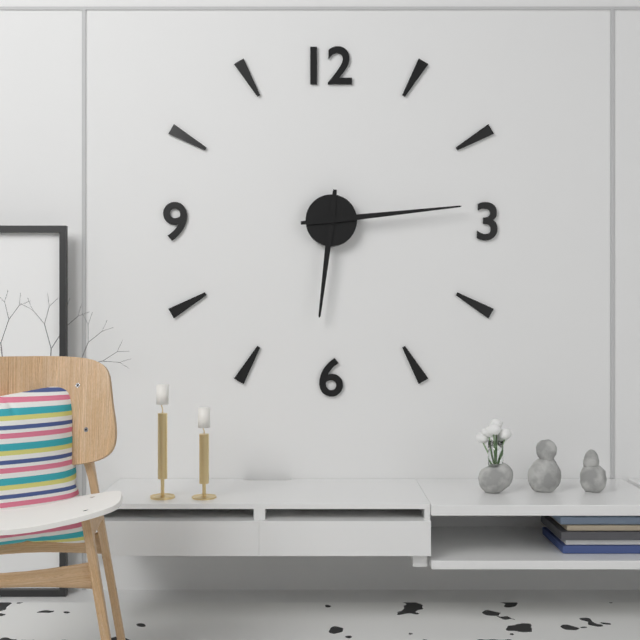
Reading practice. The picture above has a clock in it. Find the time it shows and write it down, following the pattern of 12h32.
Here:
6h14
